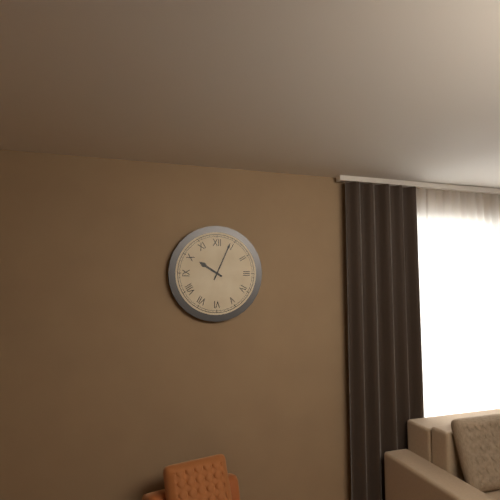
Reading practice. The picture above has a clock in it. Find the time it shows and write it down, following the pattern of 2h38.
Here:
10h04
